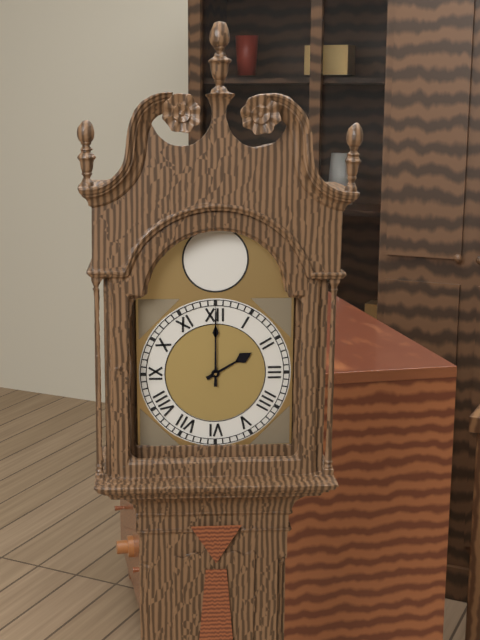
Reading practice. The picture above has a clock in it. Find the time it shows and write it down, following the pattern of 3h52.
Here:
2h00
